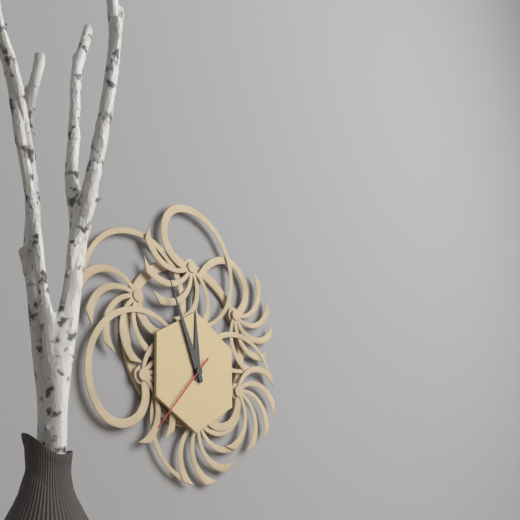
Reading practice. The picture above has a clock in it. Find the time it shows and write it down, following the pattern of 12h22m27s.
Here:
11h56m37s
